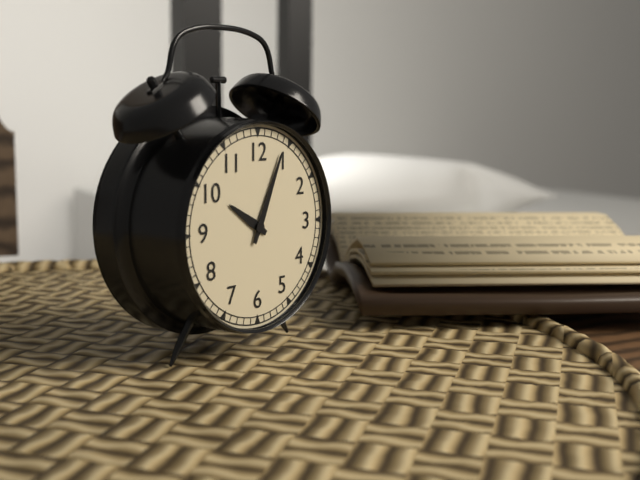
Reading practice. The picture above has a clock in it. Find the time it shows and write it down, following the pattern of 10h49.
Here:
10h04
